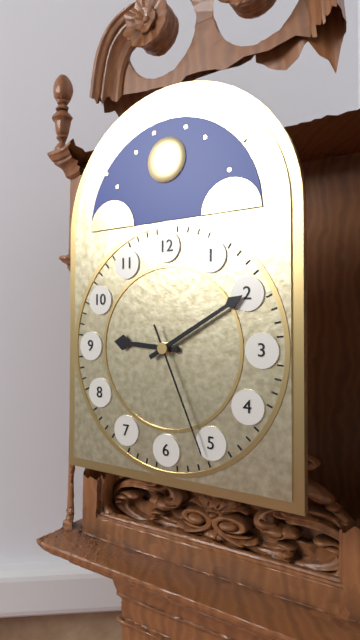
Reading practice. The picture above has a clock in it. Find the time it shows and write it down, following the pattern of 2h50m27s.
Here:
9h10m26s
